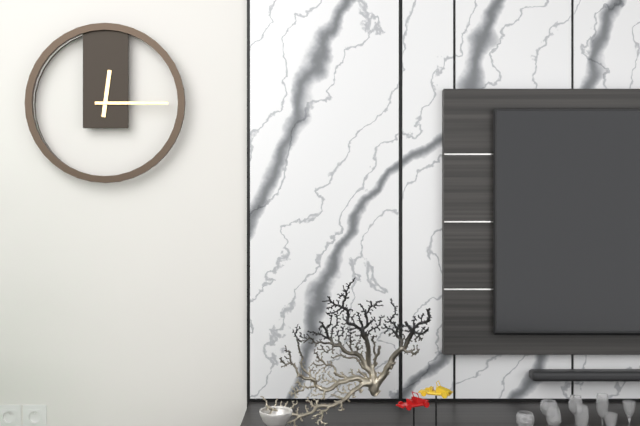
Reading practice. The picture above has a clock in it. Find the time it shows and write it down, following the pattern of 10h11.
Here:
12h15
